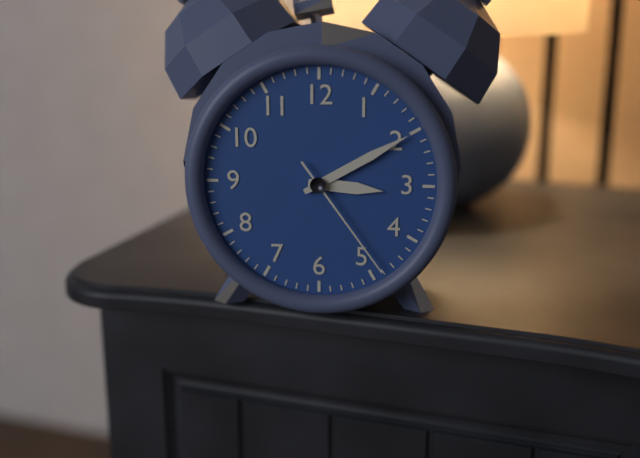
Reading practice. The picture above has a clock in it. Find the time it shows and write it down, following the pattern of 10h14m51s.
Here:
3h10m24s
